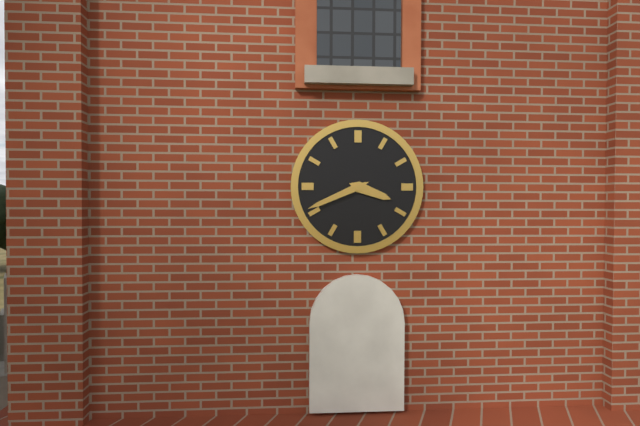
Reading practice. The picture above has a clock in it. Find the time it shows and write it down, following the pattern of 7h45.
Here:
3h41
